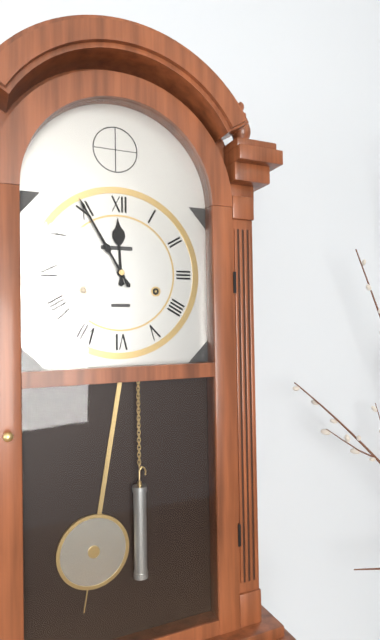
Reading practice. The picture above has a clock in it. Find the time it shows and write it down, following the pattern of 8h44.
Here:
11h55
